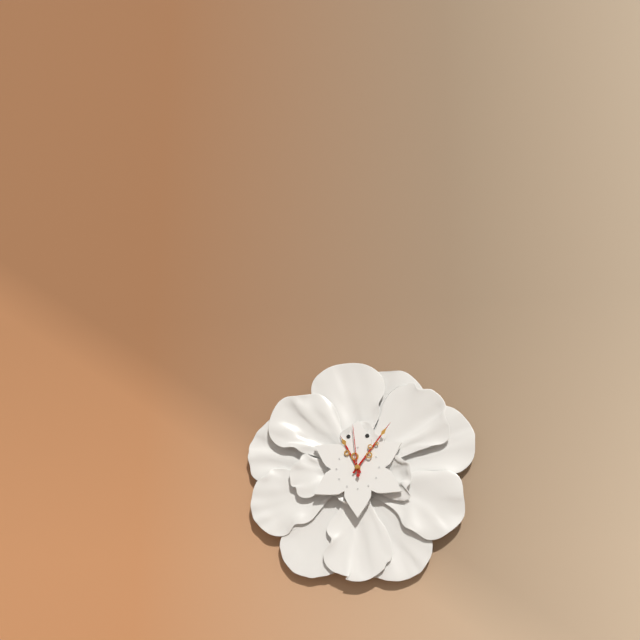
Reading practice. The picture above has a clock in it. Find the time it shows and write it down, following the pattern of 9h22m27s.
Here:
11h06m59s
